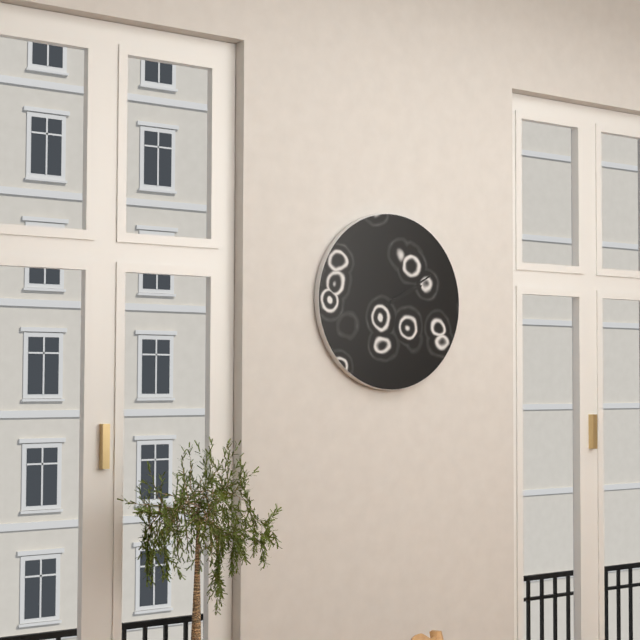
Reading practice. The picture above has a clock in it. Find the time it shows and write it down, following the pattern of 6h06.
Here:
2h10
